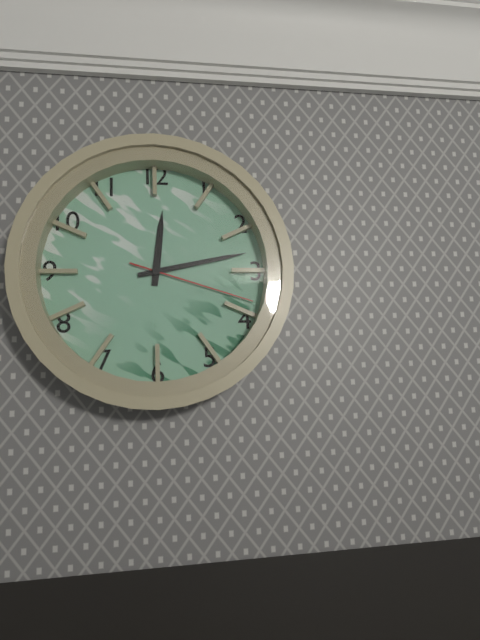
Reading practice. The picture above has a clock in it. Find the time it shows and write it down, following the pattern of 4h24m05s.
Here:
12h13m18s
